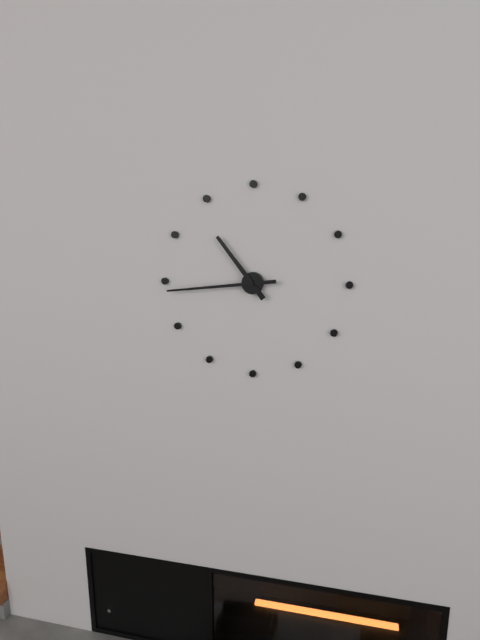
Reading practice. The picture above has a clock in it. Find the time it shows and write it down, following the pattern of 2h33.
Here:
10h44
